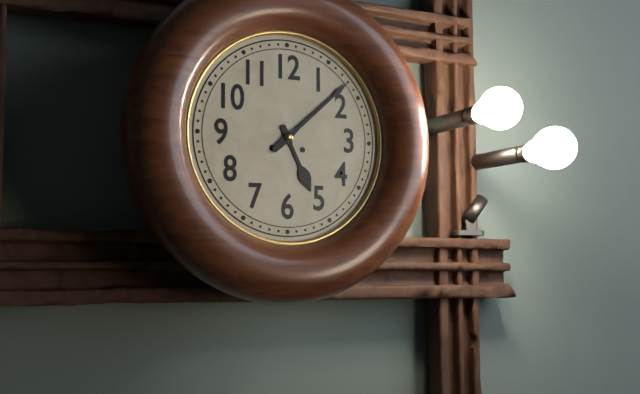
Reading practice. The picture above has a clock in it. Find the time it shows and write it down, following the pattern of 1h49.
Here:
5h08
